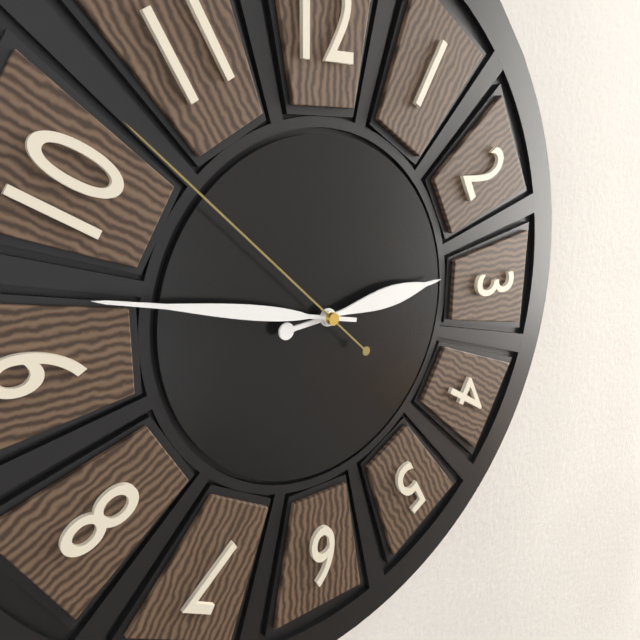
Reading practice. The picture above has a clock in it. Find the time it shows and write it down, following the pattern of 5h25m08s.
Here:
2h47m52s
